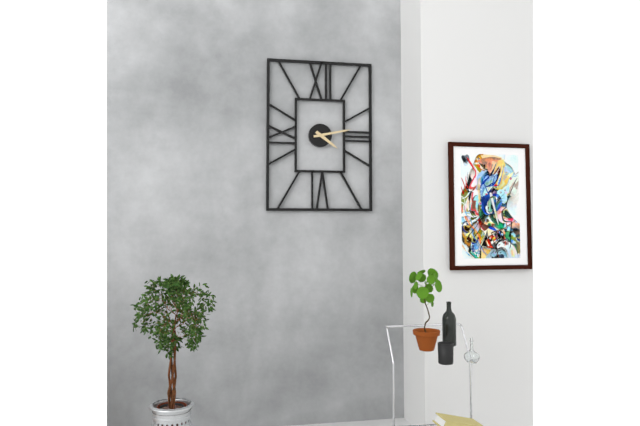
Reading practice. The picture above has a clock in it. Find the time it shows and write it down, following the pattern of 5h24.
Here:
4h13
